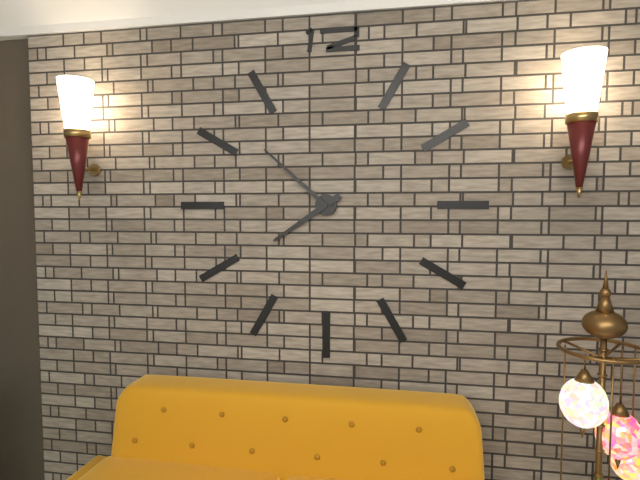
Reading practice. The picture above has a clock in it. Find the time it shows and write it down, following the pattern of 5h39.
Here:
7h52
